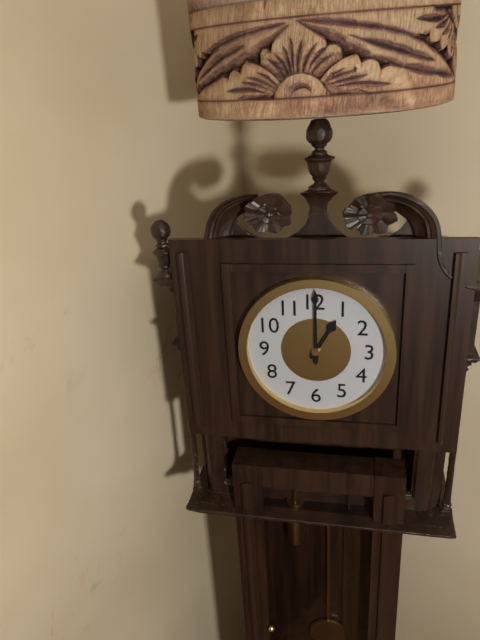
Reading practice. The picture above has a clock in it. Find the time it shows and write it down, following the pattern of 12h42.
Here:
1h00
